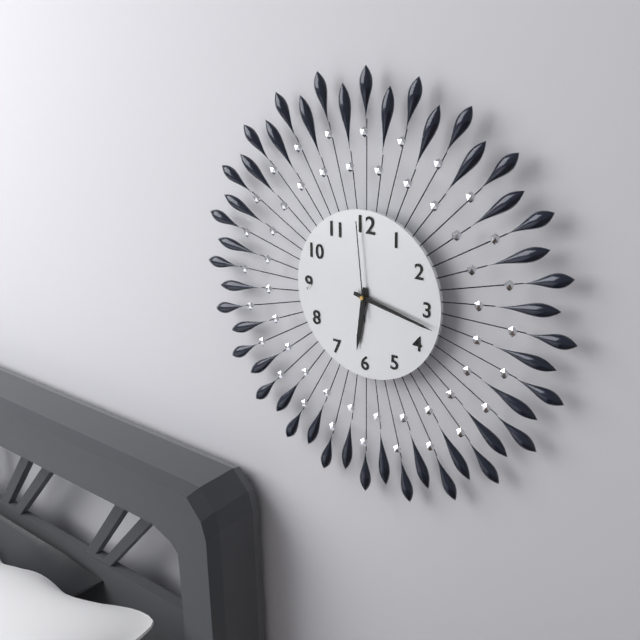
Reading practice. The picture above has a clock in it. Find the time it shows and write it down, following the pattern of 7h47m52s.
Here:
6h17m59s
